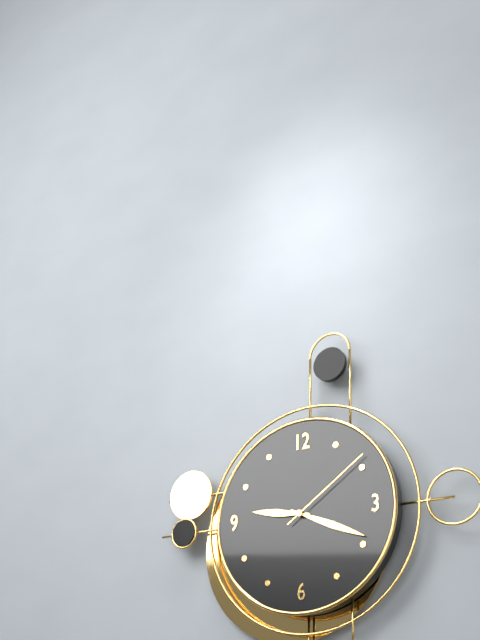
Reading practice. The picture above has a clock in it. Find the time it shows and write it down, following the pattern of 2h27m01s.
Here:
9h19m09s
